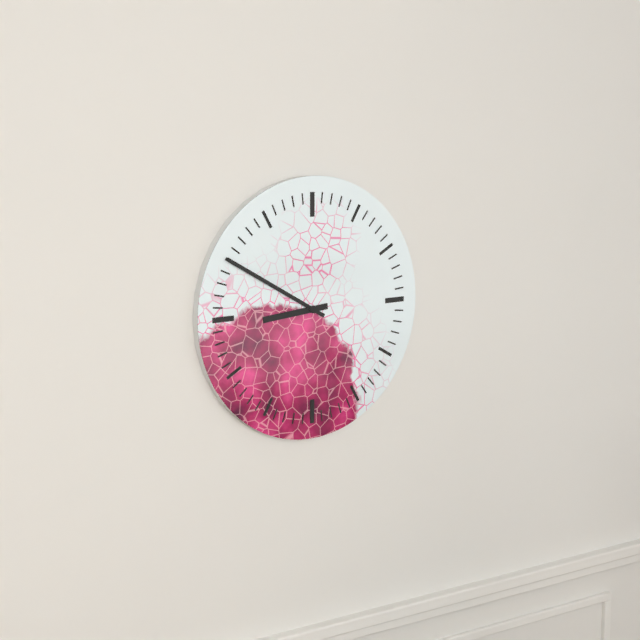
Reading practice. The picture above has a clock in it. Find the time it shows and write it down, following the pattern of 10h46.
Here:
8h50
